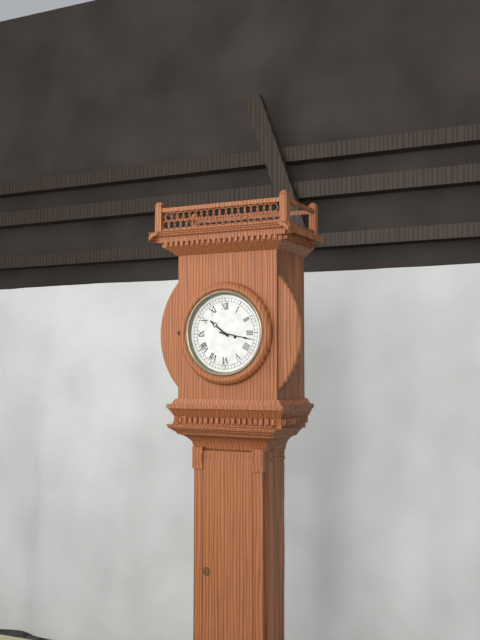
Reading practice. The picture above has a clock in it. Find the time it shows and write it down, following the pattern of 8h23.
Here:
10h17
